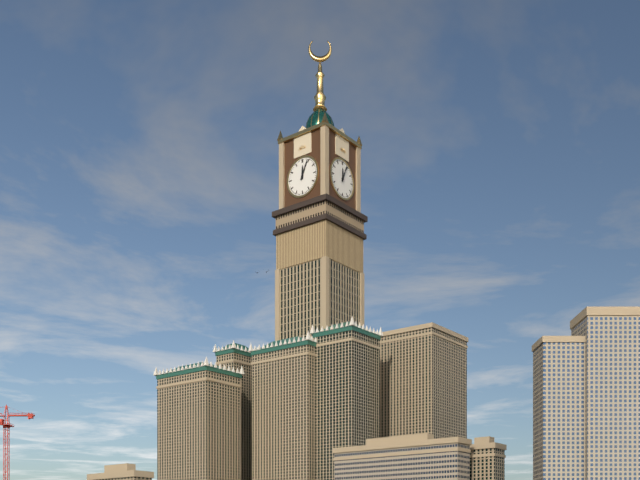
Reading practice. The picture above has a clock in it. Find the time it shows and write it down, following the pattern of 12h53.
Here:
12h04
